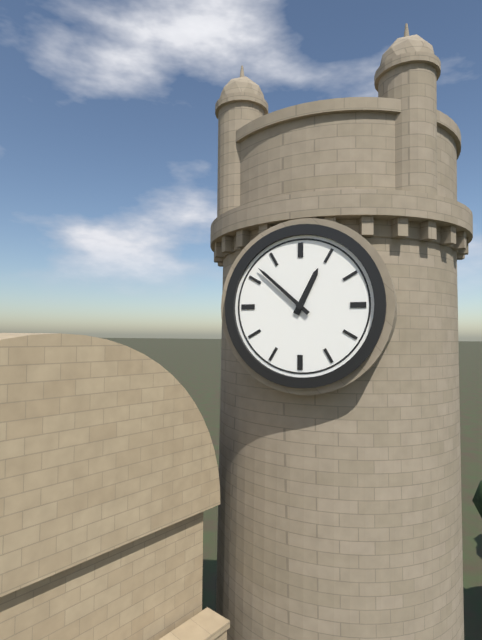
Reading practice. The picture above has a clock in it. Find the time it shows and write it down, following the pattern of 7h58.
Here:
12h52
